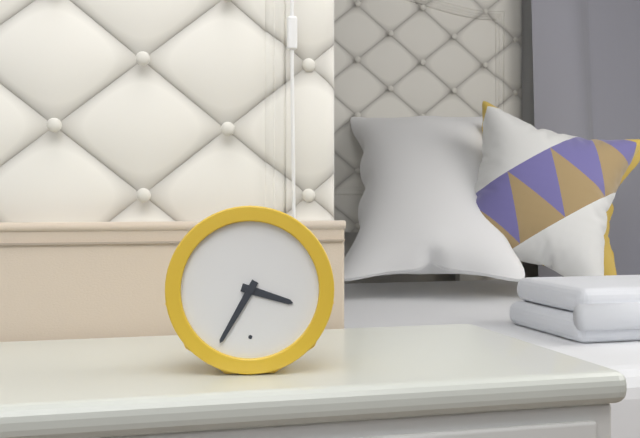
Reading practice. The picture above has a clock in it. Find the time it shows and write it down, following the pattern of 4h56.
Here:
3h35
